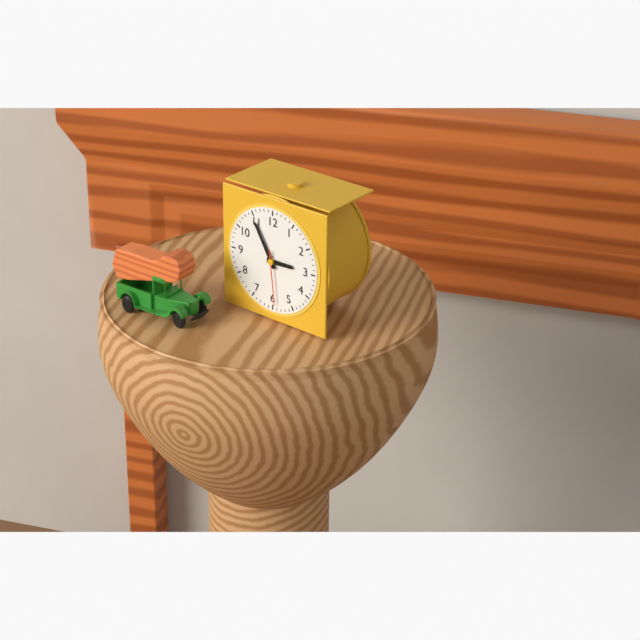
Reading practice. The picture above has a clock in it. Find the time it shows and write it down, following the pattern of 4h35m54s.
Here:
2h55m29s
